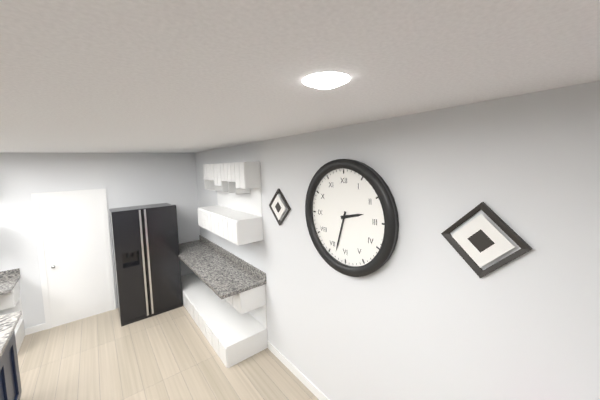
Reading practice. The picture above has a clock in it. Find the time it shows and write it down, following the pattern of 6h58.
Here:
2h33
